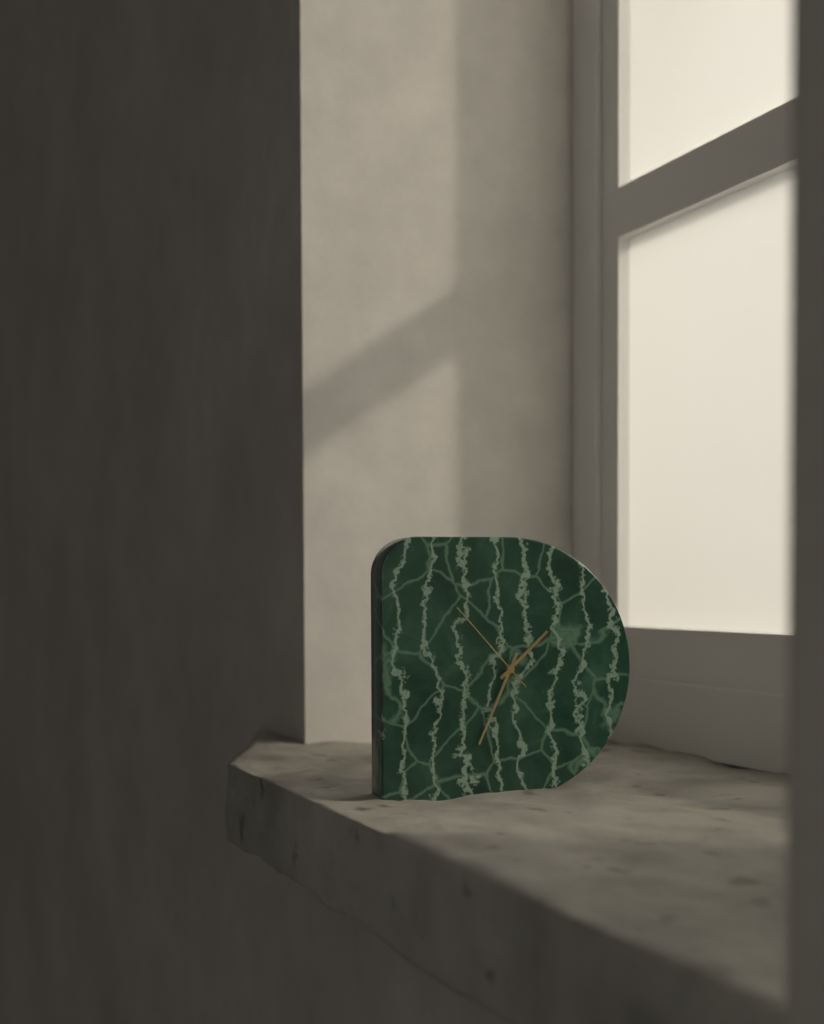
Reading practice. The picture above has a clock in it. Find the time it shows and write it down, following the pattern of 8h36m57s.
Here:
1h34m53s
